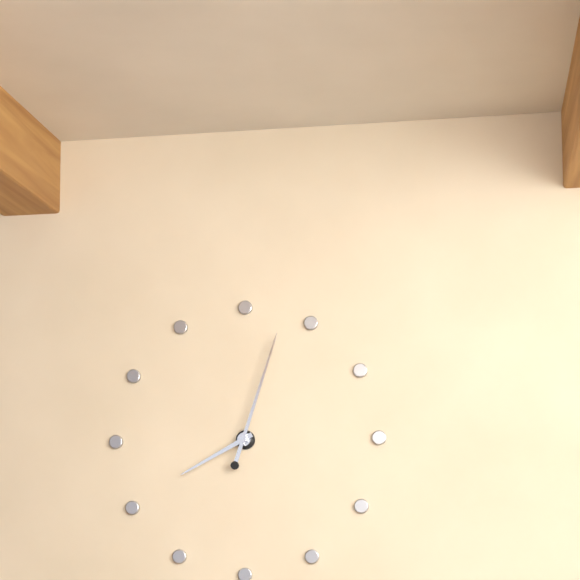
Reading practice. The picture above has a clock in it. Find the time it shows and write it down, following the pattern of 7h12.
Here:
8h03
